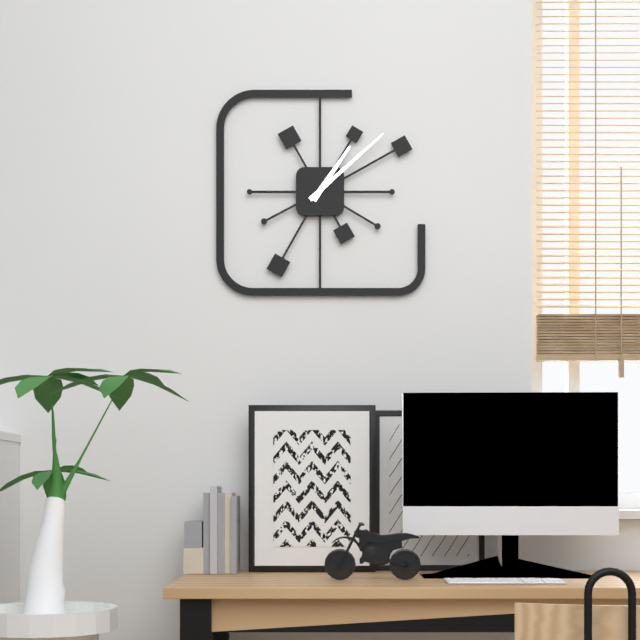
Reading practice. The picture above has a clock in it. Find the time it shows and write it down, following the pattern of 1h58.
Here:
1h08
